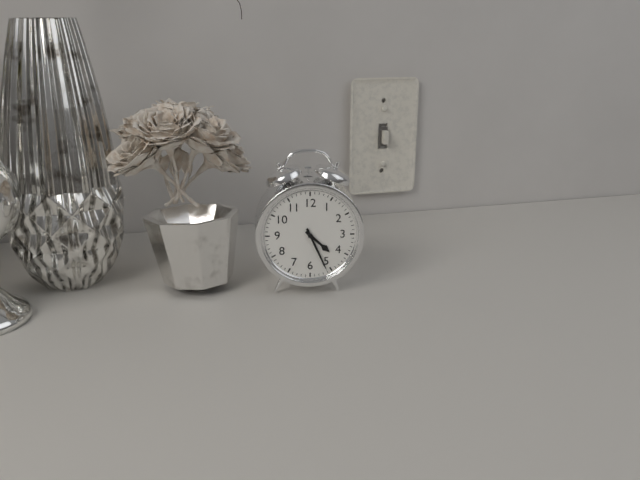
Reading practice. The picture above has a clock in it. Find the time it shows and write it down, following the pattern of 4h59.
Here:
4h26
